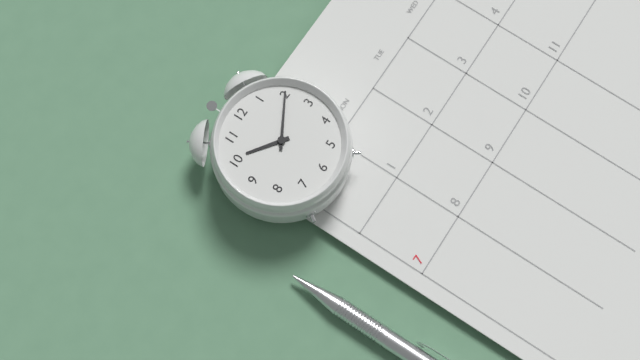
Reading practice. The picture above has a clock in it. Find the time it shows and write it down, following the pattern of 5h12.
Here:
10h10
